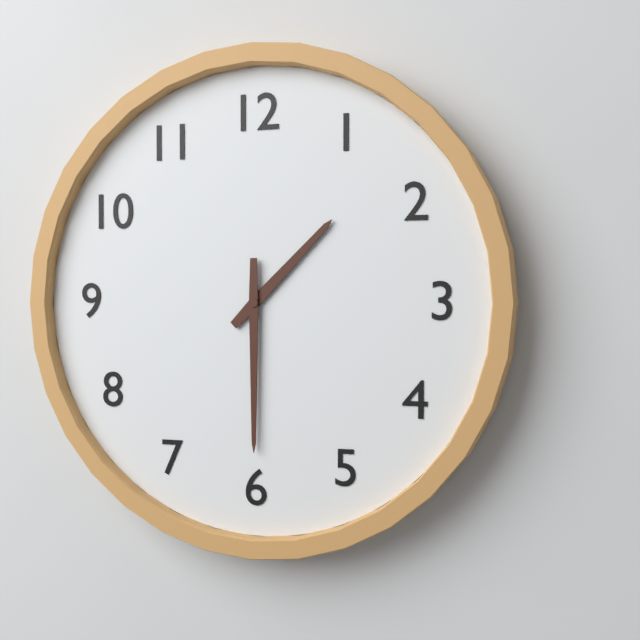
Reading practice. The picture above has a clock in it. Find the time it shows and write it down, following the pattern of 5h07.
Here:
1h30
